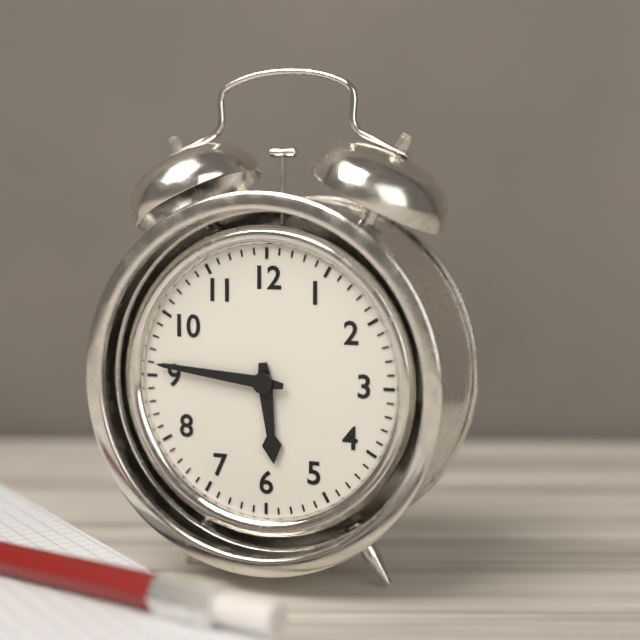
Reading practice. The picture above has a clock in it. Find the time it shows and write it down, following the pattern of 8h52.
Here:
5h46
